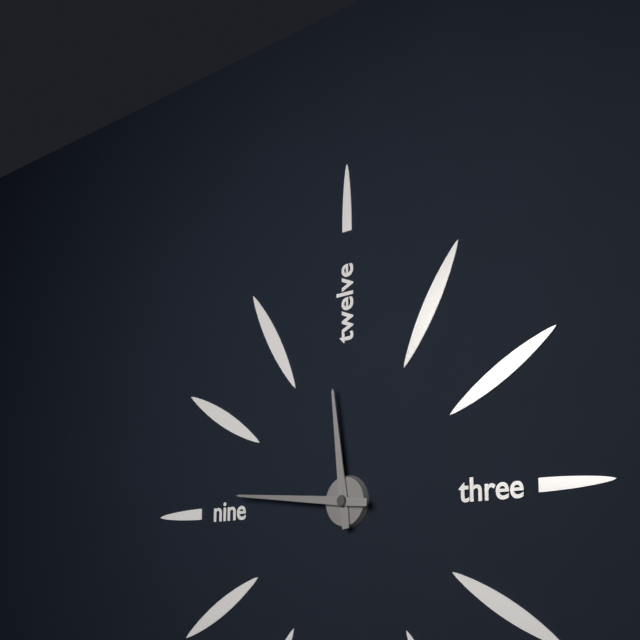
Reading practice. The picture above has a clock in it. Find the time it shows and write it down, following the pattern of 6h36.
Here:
11h46
